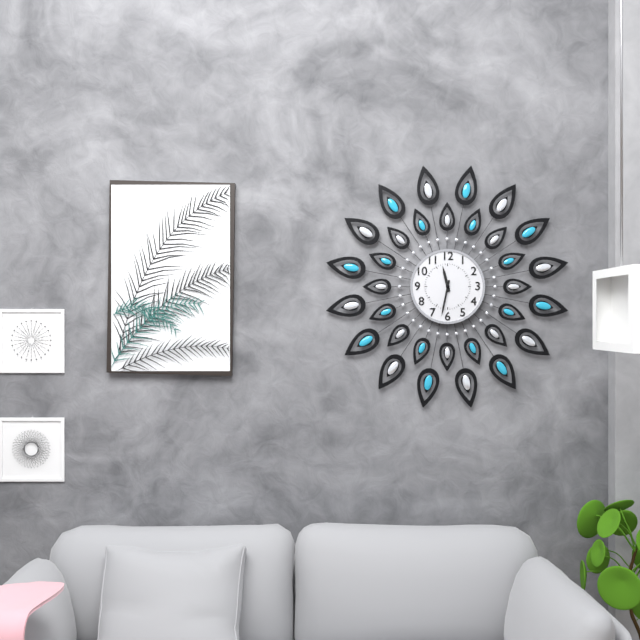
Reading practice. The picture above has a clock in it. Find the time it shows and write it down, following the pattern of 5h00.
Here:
11h32
